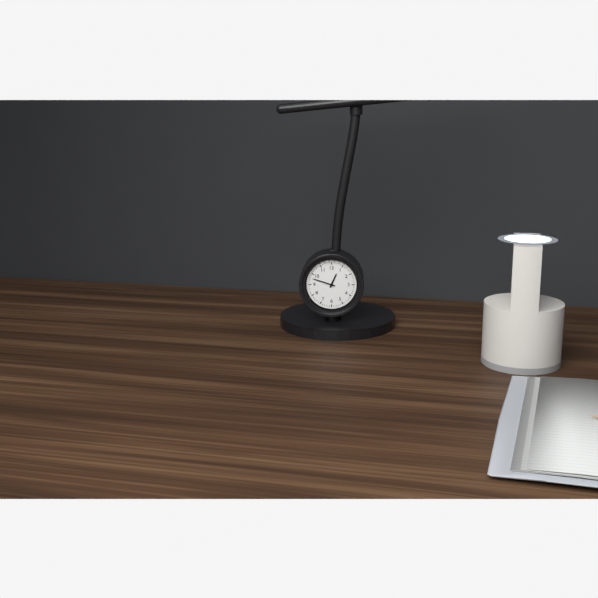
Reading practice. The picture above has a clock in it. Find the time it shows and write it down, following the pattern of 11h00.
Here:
12h48
